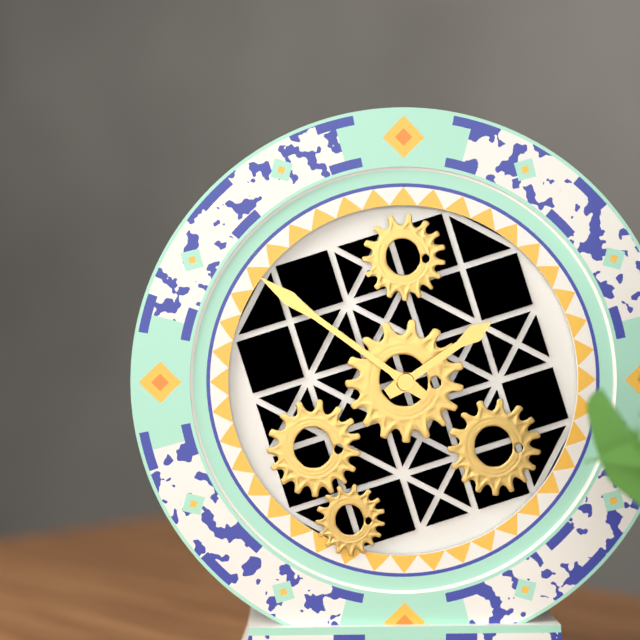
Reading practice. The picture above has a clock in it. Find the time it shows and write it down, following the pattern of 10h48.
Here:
1h51
